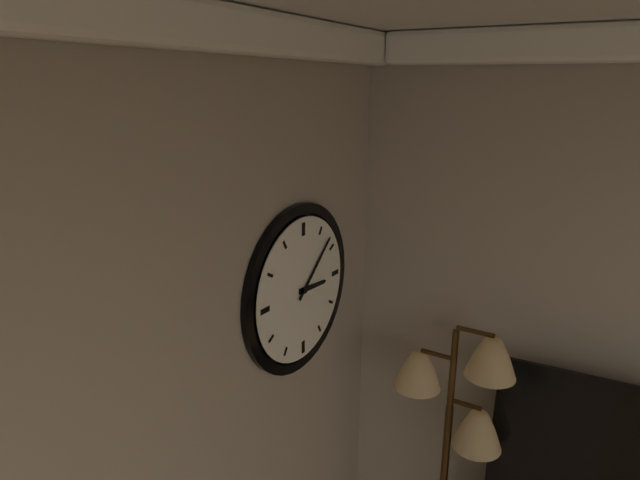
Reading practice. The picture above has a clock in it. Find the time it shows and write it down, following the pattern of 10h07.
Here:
3h08
